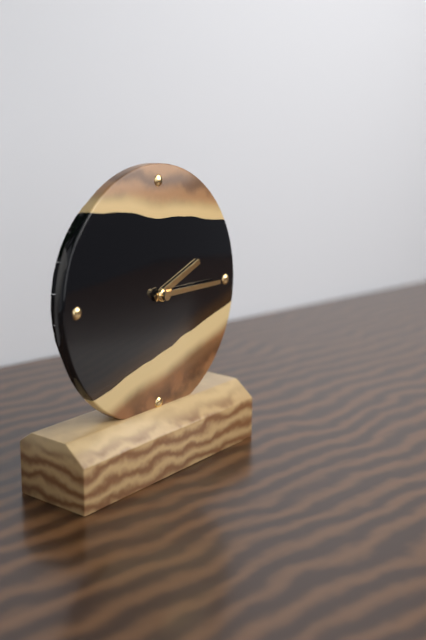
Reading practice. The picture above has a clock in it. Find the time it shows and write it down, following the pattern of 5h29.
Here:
2h15
